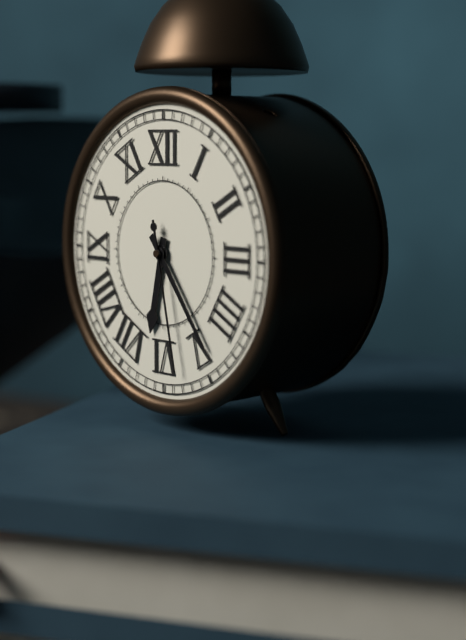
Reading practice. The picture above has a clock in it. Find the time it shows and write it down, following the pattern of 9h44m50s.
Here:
6h24m28s
